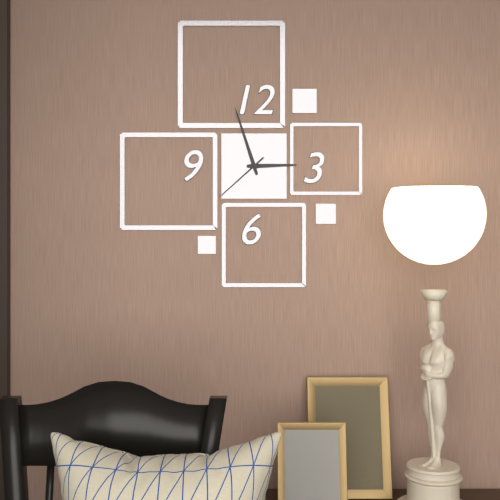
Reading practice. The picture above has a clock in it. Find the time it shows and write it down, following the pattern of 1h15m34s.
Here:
2h57m38s
